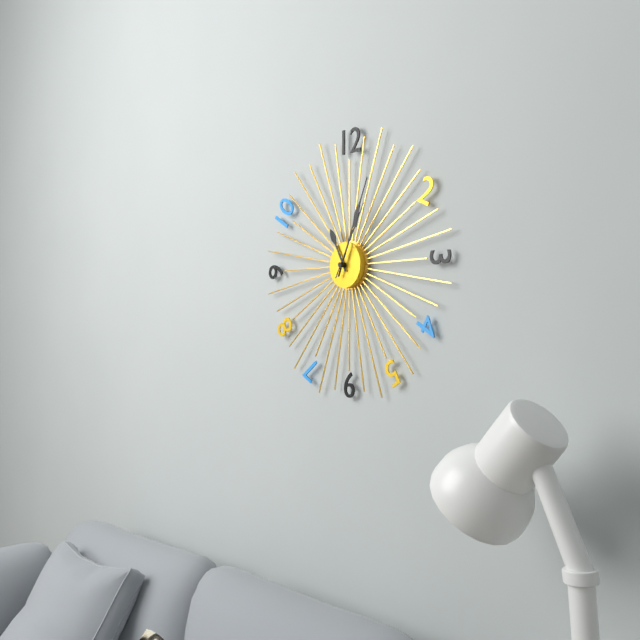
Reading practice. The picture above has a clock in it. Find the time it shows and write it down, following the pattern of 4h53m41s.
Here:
11h04m05s
